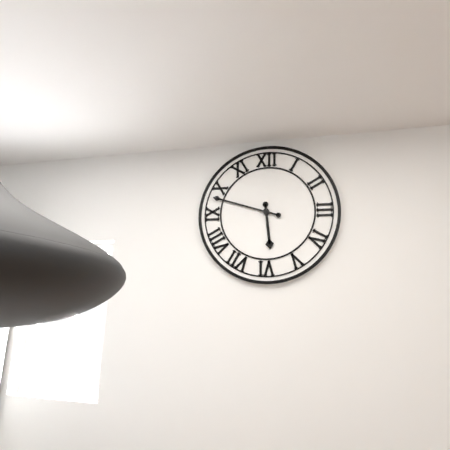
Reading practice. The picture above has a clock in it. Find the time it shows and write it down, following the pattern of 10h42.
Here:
5h48
